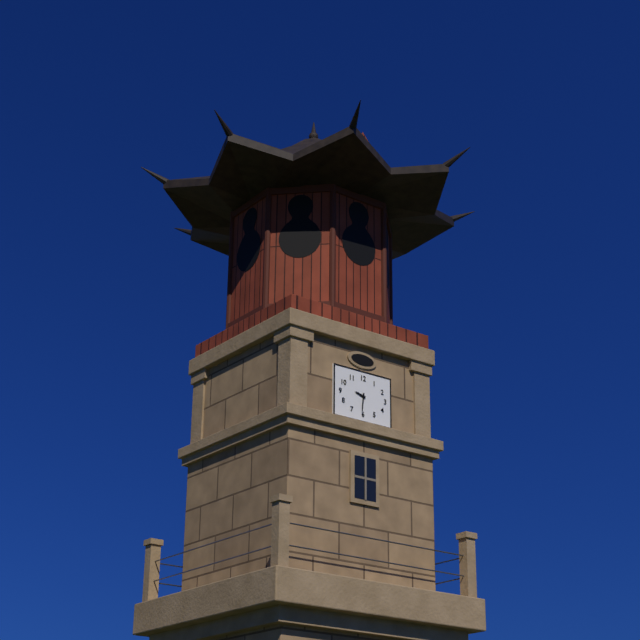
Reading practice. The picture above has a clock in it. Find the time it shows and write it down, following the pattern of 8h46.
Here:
9h31
